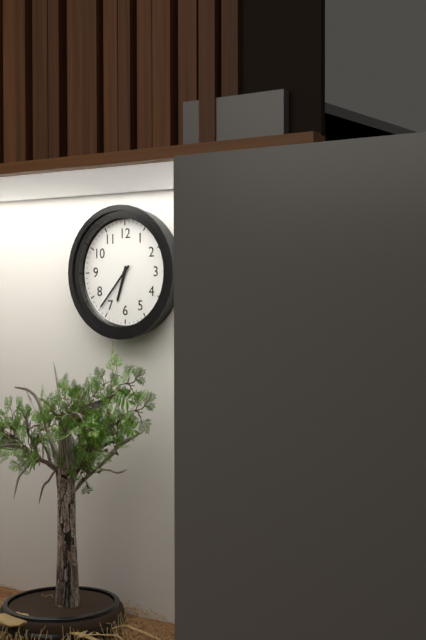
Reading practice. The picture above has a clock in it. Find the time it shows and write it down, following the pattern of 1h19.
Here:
6h37
